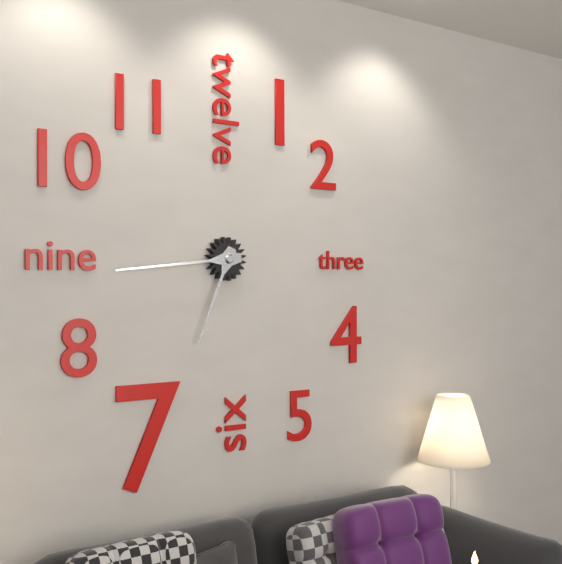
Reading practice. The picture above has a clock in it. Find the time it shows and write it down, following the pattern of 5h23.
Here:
6h44
